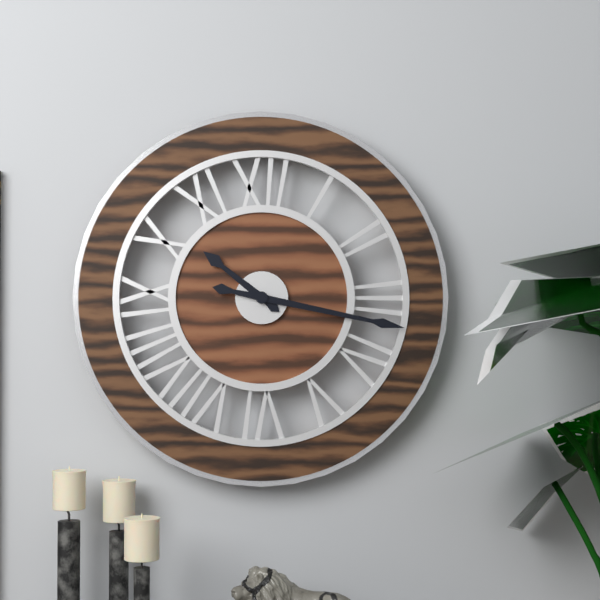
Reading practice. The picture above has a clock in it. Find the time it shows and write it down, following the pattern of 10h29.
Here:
10h17
